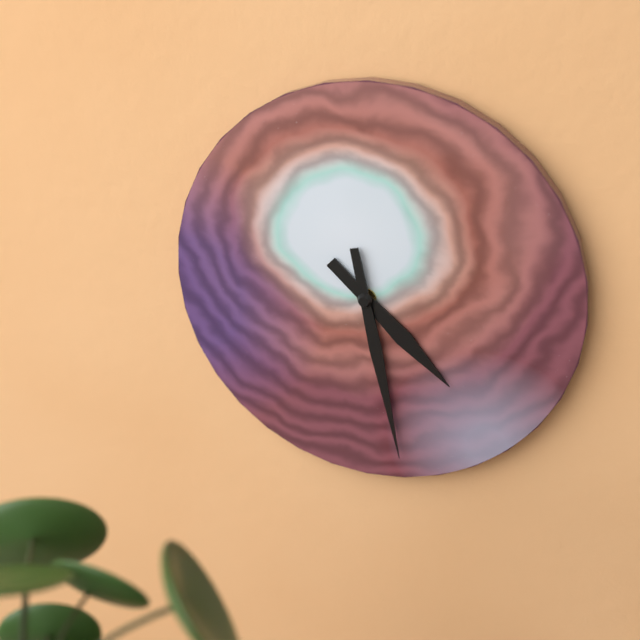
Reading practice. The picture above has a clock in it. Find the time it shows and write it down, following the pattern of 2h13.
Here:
4h28
